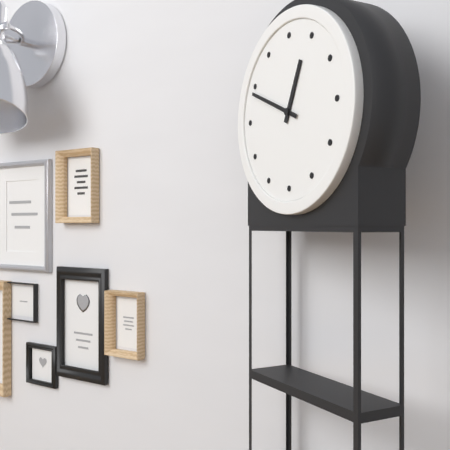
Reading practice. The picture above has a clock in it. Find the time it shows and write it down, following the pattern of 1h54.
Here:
12h49
